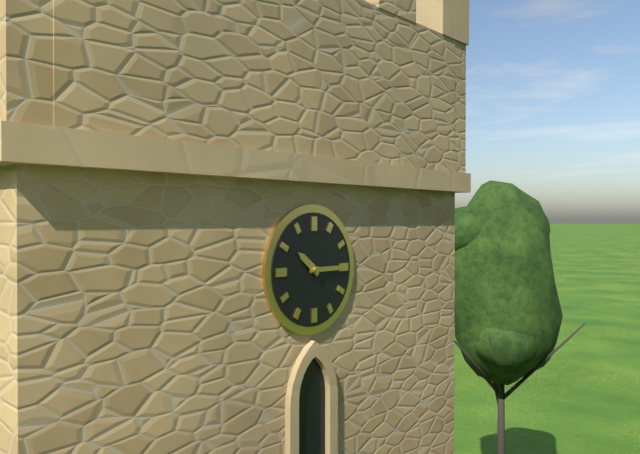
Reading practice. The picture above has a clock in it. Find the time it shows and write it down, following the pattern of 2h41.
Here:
10h15
